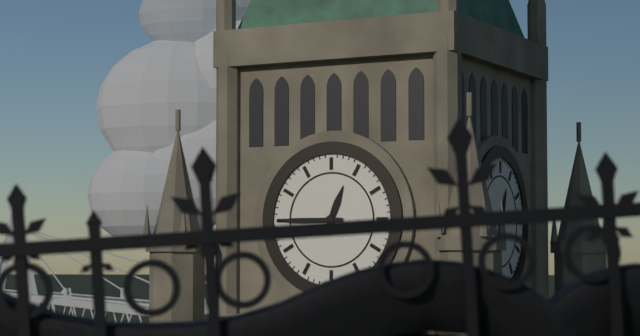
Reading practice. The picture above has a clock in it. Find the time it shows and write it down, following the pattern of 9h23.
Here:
12h45
